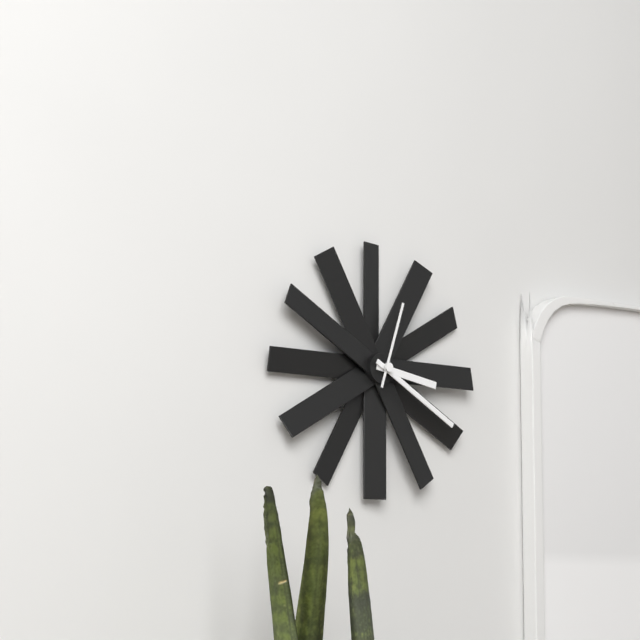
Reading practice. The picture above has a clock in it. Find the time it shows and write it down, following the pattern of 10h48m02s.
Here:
3h20m03s
